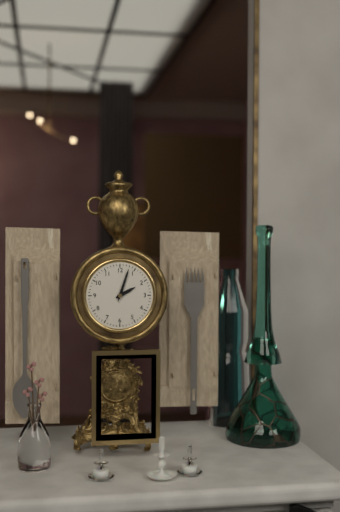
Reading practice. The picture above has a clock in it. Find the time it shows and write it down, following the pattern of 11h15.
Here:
2h03
